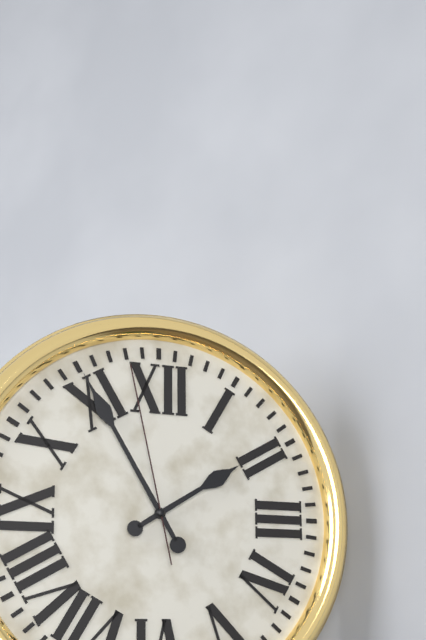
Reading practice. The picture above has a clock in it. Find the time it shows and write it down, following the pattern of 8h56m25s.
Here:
1h55m58s
